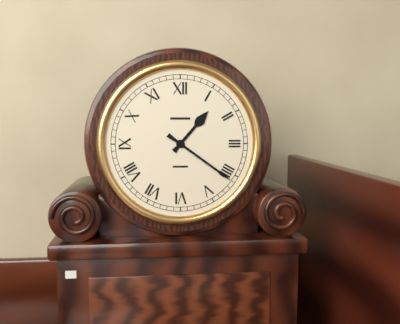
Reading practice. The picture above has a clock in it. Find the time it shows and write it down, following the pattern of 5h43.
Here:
1h21
